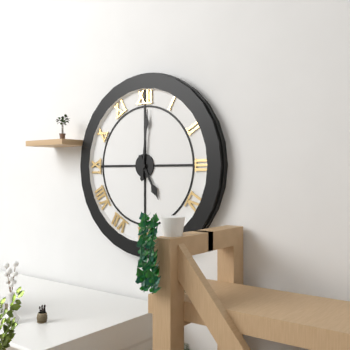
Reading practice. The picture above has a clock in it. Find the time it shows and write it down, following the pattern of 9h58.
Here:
5h01
